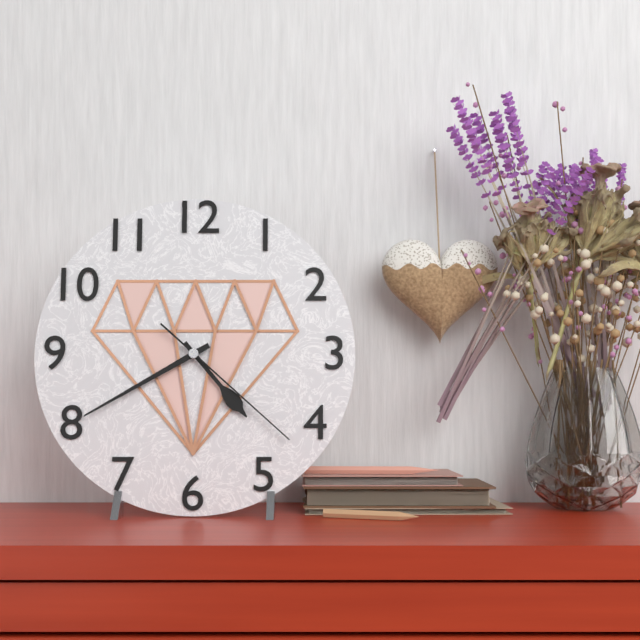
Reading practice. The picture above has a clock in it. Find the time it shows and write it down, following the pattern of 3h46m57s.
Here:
4h40m22s
